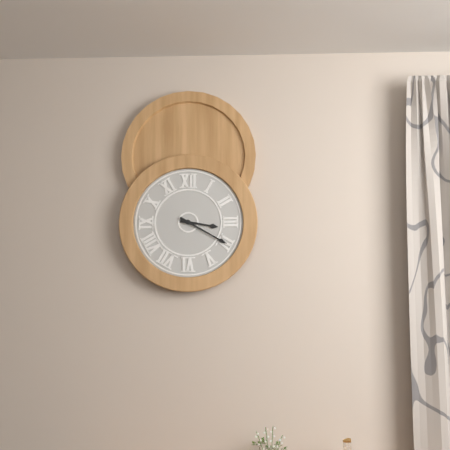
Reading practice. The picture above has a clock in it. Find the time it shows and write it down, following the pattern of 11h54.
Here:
3h20
